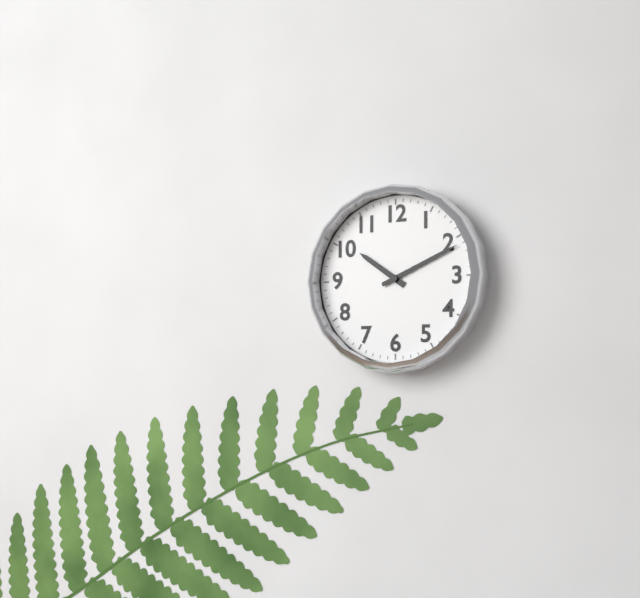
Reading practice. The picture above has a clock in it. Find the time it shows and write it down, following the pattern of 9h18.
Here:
10h11
